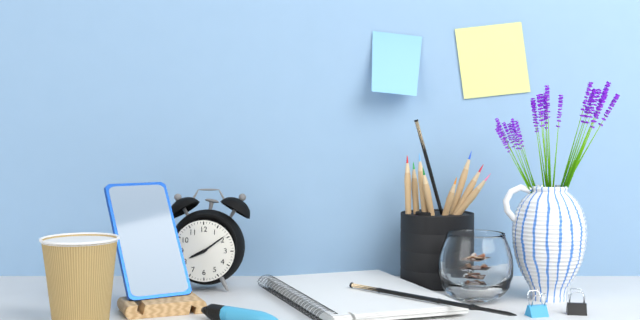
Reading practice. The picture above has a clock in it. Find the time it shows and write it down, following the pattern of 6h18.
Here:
8h09
